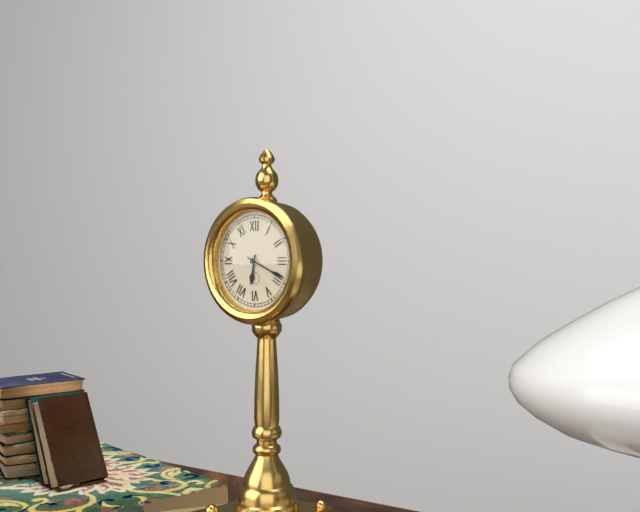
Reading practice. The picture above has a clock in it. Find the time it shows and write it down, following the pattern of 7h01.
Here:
6h19
